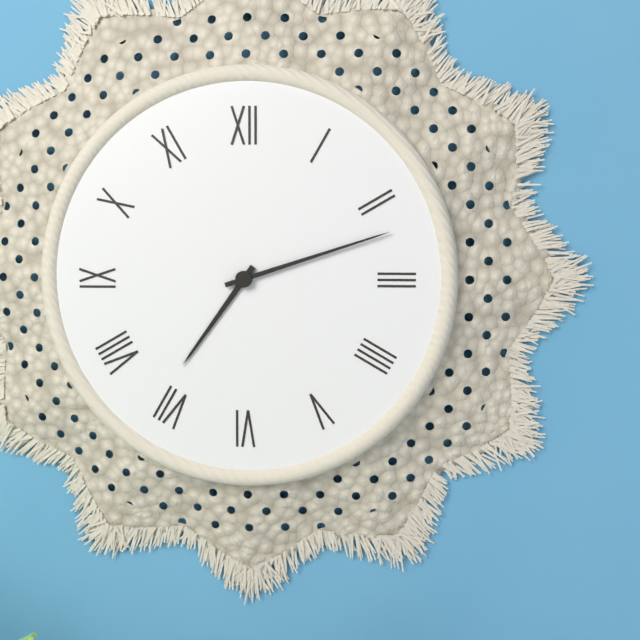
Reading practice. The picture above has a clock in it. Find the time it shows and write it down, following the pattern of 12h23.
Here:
7h12
